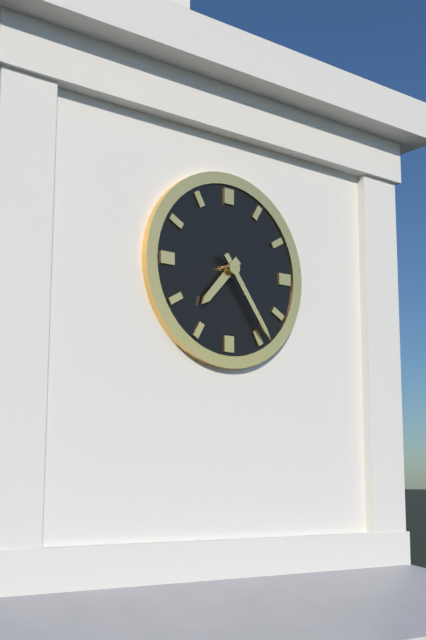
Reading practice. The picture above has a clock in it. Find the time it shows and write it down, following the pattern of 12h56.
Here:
7h24
